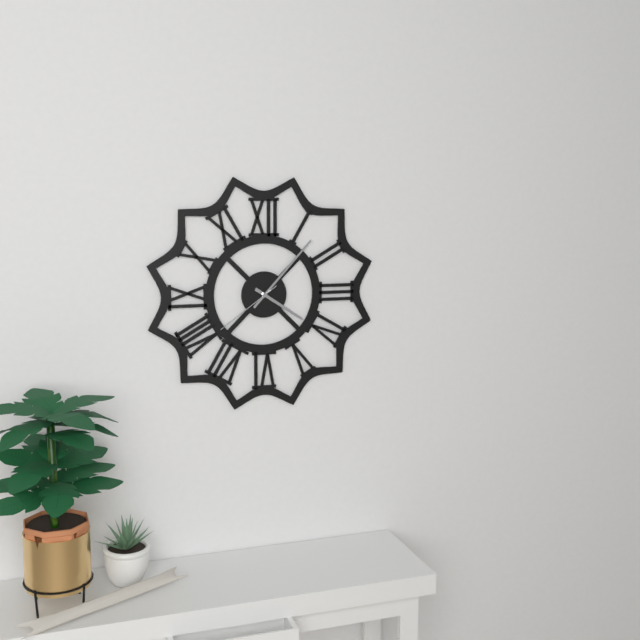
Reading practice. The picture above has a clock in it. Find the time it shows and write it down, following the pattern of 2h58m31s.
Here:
4h07m39s
